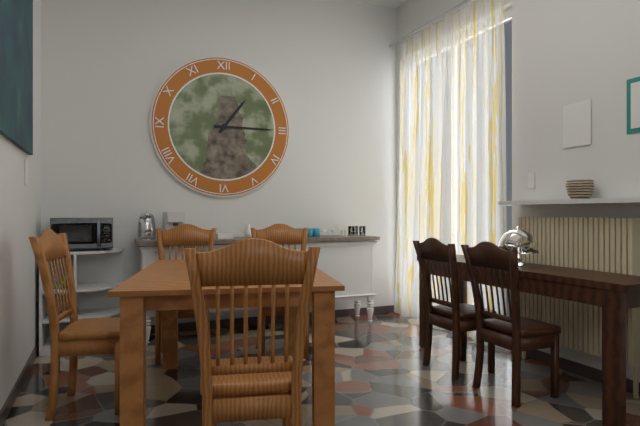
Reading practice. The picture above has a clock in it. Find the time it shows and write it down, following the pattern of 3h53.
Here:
1h15
